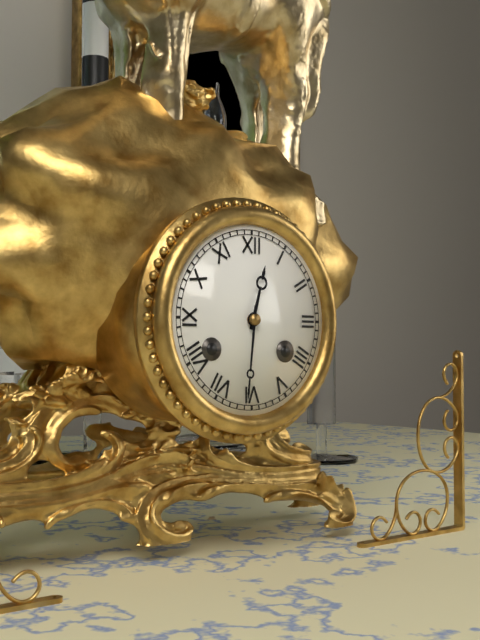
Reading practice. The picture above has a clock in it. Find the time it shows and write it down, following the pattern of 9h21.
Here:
12h31
